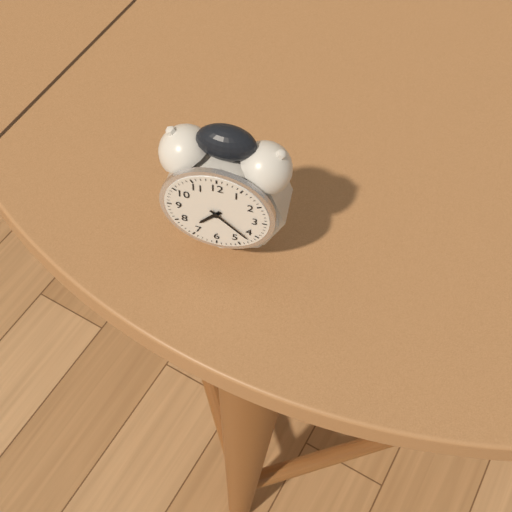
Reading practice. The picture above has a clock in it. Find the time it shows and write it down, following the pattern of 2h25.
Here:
7h22
